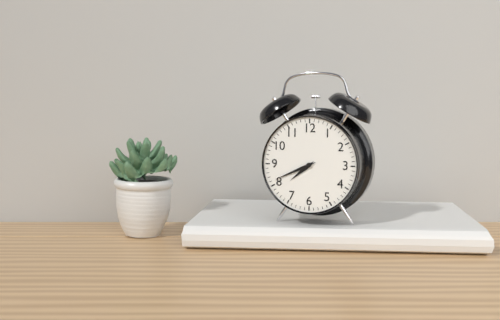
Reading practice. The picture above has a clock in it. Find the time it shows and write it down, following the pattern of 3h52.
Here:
7h41
